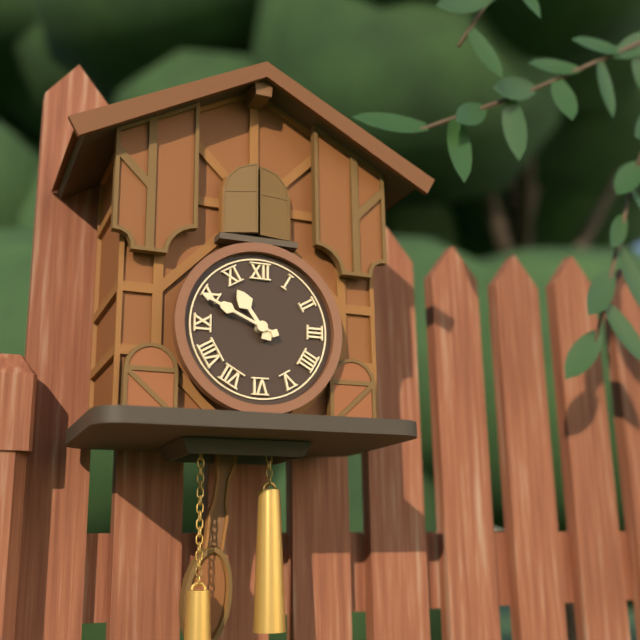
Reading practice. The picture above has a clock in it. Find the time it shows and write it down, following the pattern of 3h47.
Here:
10h49
